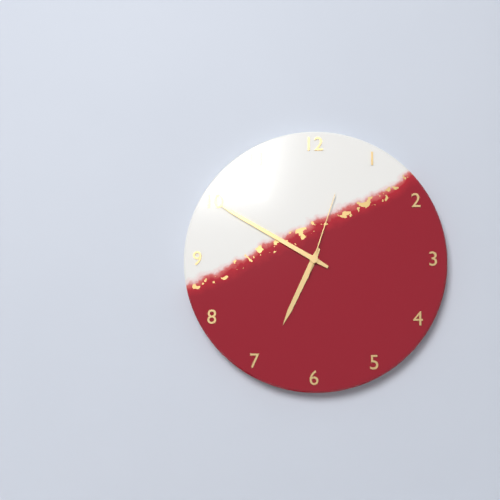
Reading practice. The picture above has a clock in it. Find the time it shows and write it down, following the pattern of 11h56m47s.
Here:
6h50m03s
